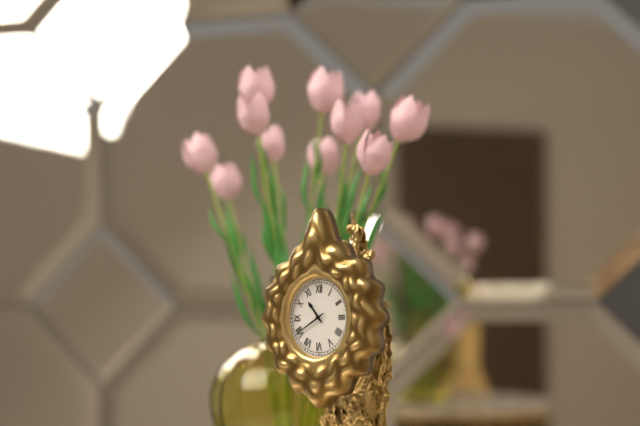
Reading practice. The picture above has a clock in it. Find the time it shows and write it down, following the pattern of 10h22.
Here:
10h40
